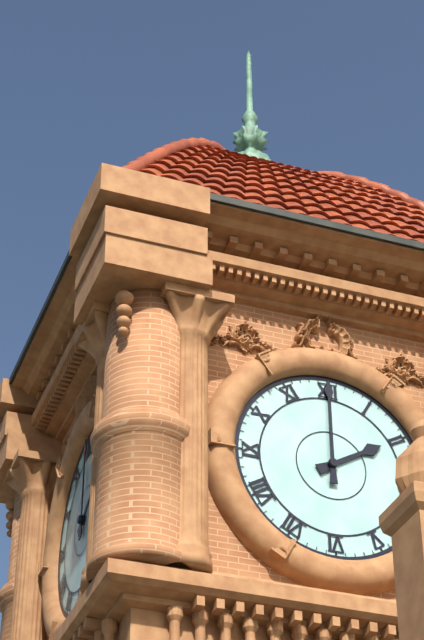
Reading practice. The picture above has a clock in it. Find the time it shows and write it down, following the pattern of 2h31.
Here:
2h00
